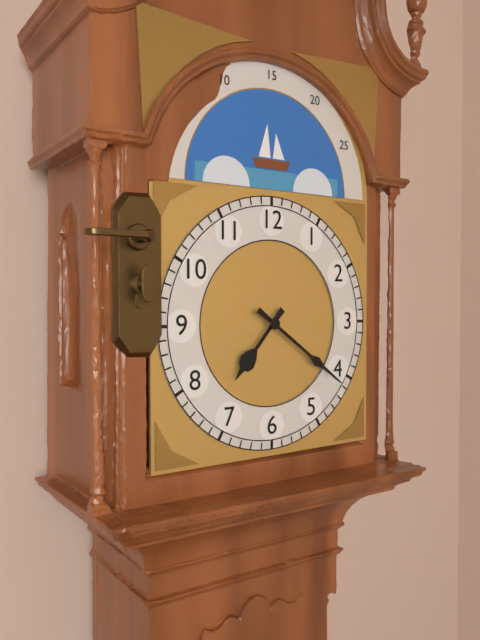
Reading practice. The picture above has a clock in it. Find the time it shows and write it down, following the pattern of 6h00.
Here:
7h21
